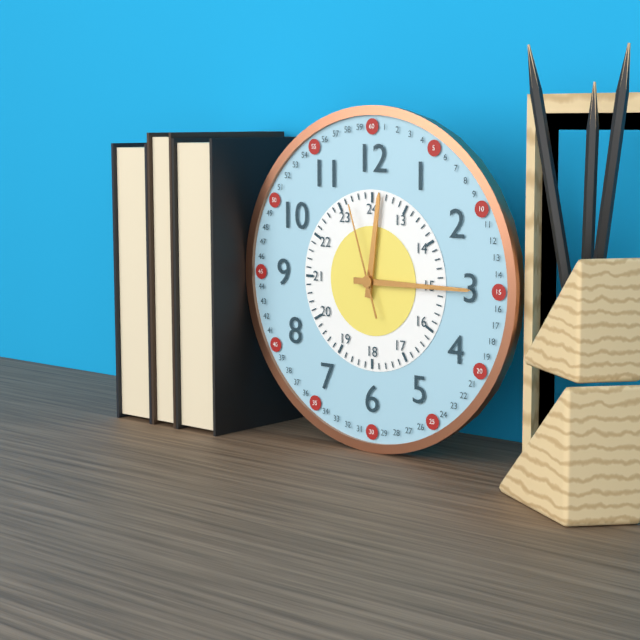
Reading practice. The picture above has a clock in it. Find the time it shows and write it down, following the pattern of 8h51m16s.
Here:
12h15m57s
